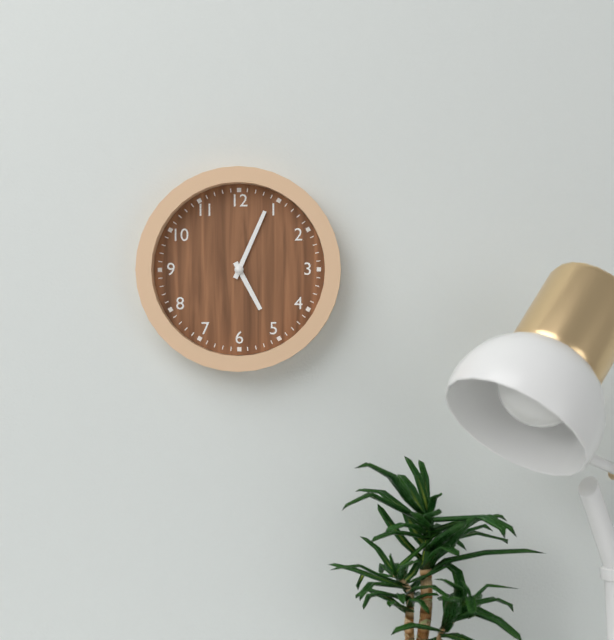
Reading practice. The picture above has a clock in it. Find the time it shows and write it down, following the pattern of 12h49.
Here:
5h04
